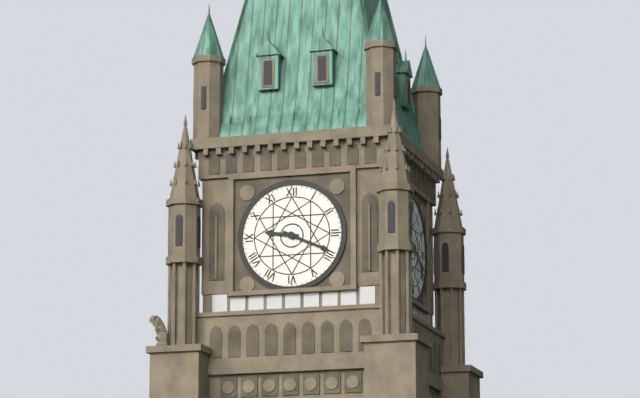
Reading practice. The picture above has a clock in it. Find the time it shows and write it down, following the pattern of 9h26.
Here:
9h19
